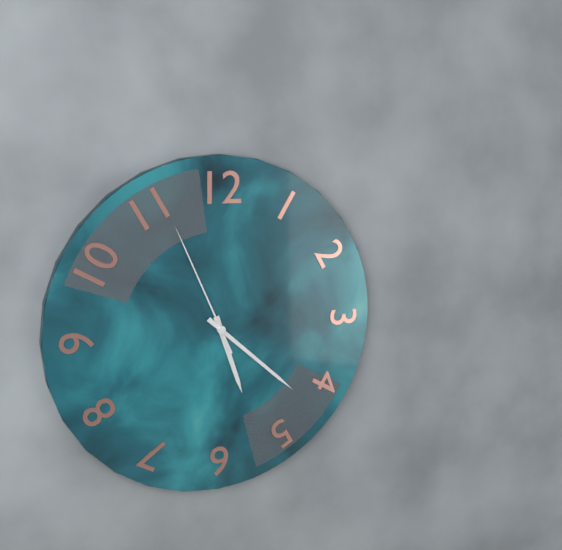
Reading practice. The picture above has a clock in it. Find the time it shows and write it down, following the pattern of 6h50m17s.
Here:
5h22m56s
